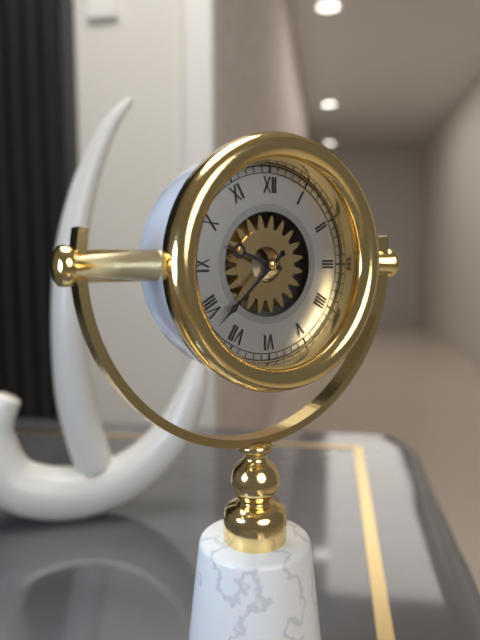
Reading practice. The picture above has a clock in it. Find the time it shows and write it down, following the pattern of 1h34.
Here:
9h38
